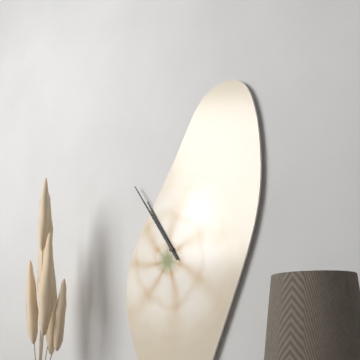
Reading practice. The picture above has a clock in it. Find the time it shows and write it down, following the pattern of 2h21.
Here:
10h54
